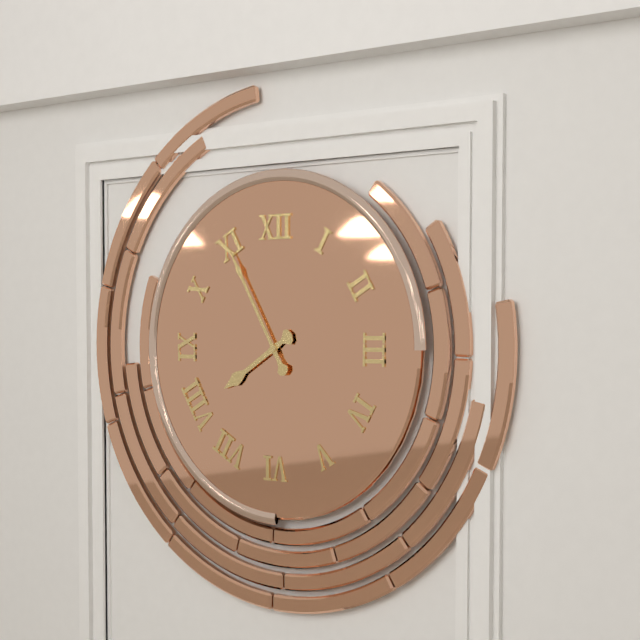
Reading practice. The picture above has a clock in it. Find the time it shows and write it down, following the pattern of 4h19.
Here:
7h55
